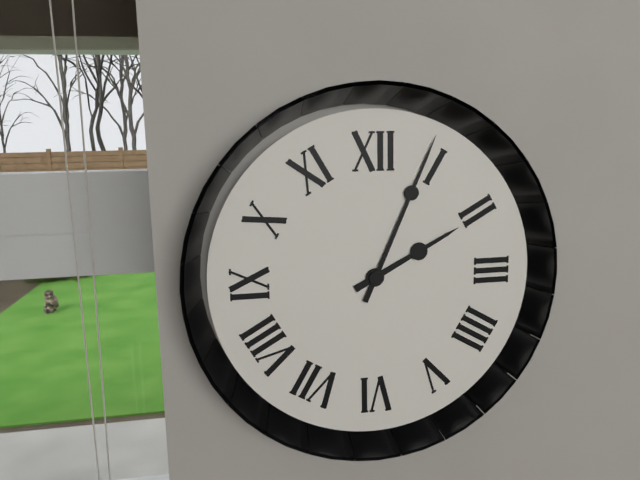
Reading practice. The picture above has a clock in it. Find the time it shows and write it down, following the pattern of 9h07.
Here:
2h04
